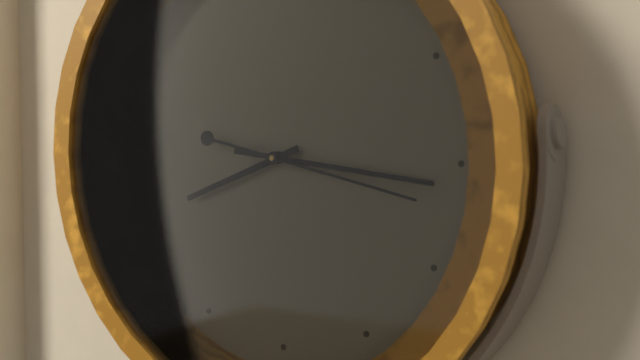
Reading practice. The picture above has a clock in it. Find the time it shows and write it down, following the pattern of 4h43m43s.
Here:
8h16m17s
